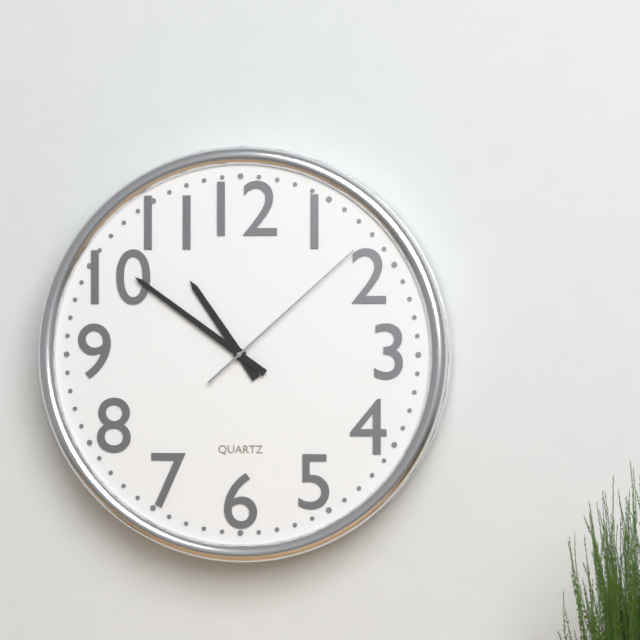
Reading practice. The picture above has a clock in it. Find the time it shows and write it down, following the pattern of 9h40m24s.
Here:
10h51m08s
